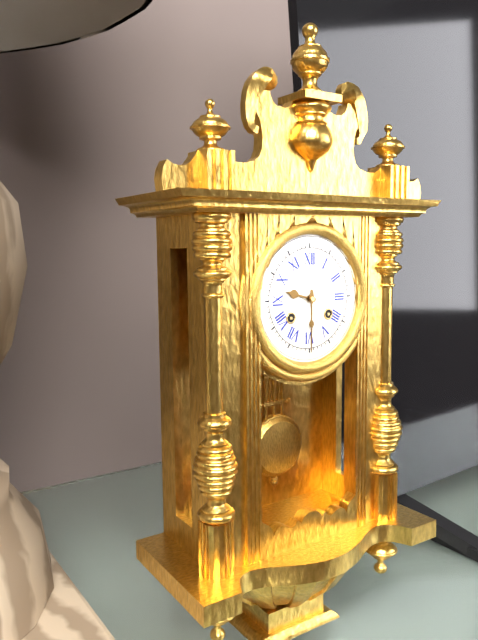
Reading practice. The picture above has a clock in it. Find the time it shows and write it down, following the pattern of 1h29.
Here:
9h30
